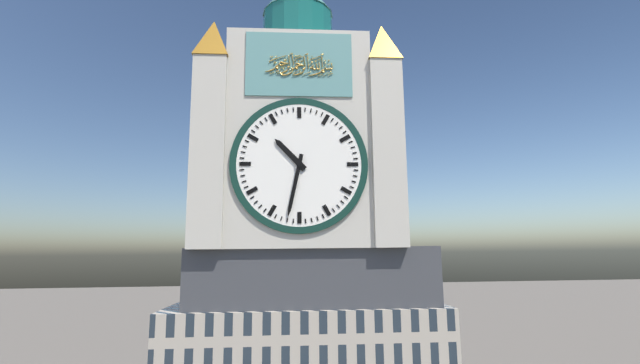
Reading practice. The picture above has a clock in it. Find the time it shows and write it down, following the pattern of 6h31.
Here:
10h32
